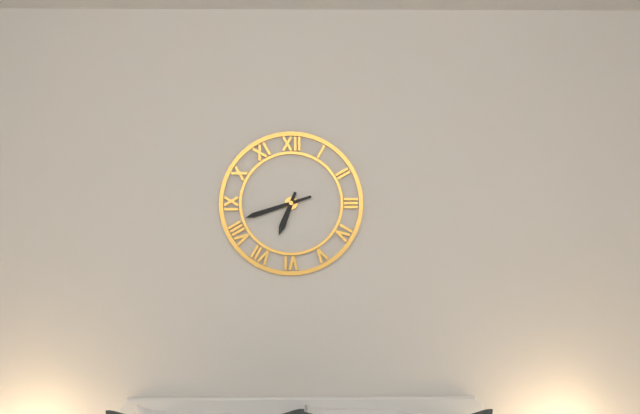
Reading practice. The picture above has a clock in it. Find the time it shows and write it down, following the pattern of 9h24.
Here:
6h42
